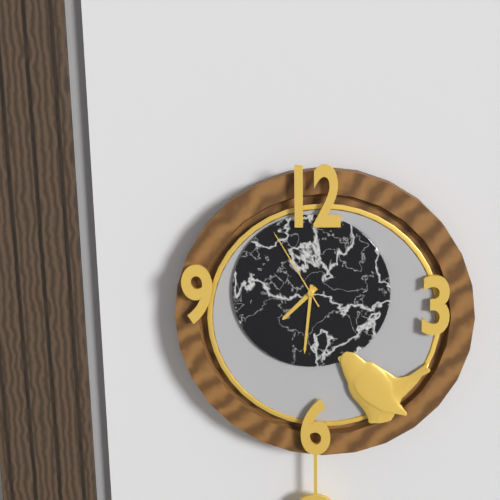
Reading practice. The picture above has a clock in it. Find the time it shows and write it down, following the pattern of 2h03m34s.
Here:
7h31m55s
